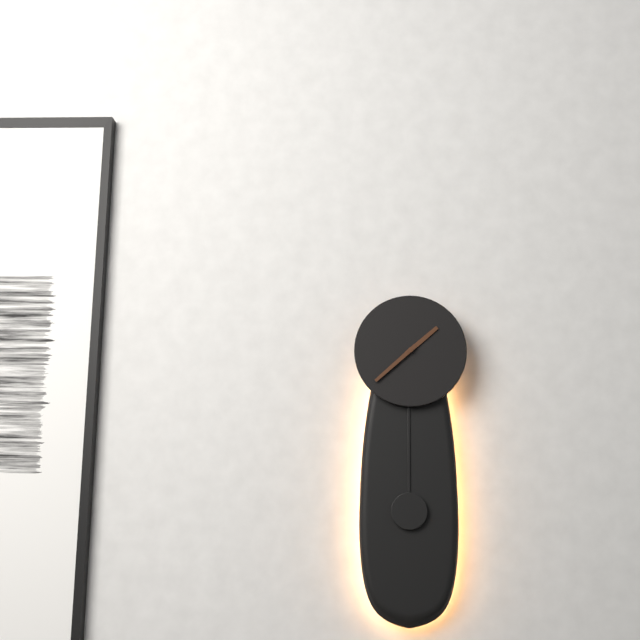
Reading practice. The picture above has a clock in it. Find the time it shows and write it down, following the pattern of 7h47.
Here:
1h38
